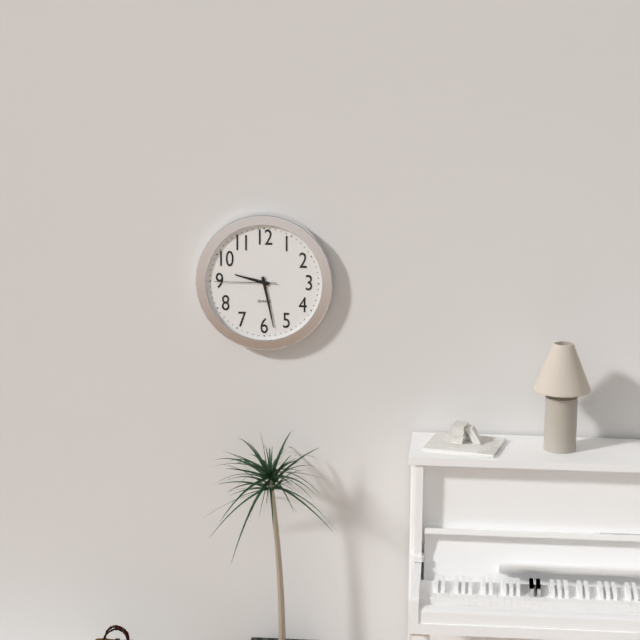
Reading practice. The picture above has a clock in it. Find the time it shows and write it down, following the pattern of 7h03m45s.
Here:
9h28m45s
